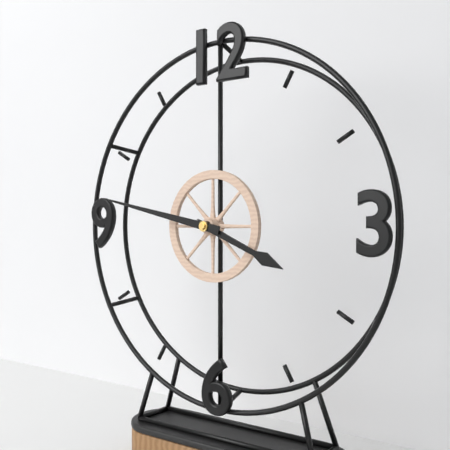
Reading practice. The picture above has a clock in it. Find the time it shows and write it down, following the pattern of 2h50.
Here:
3h47
